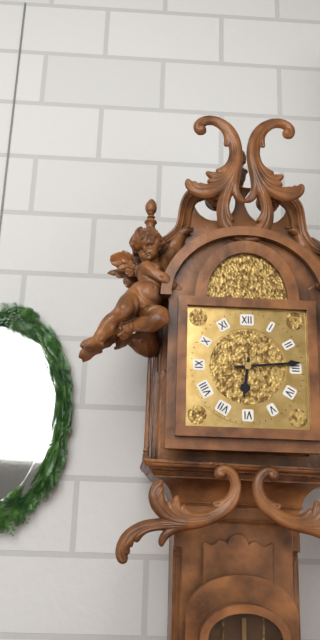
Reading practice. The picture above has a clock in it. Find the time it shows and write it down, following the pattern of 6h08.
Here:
6h14
